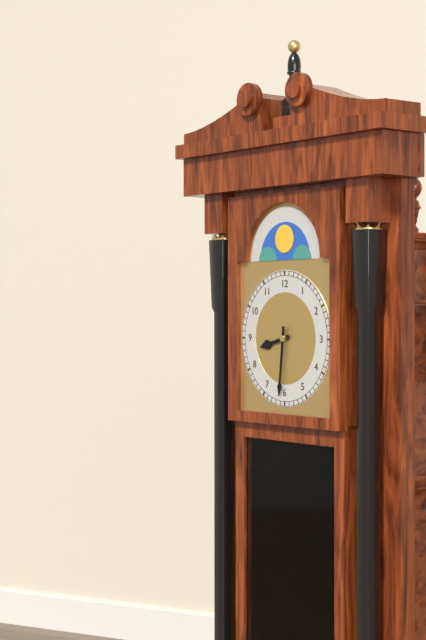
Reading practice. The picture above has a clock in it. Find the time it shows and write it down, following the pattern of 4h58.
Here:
8h31
